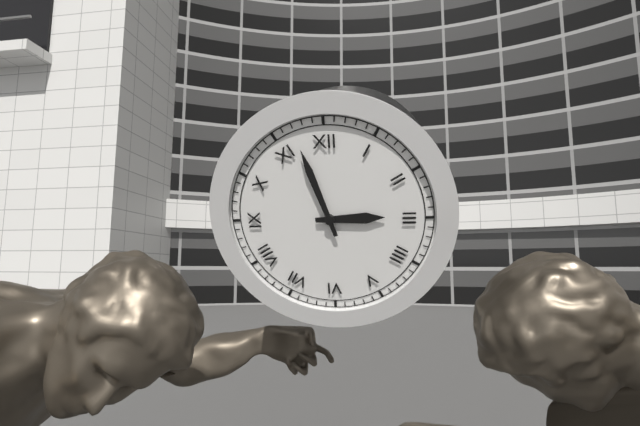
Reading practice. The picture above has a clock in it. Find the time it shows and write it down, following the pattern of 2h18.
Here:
2h57
